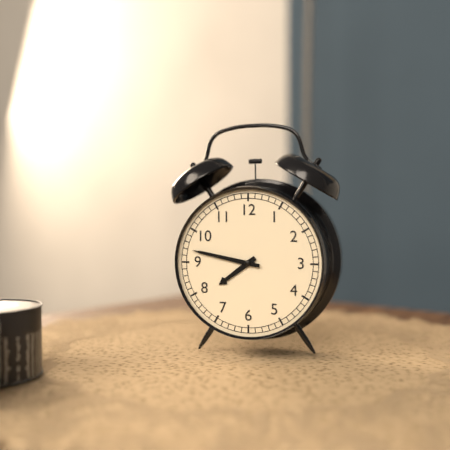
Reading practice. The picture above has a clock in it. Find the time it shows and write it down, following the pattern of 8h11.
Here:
7h47
